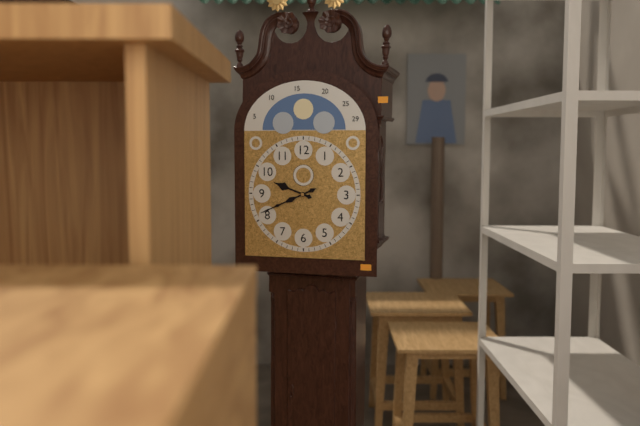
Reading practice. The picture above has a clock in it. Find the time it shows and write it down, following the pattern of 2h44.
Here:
9h41
